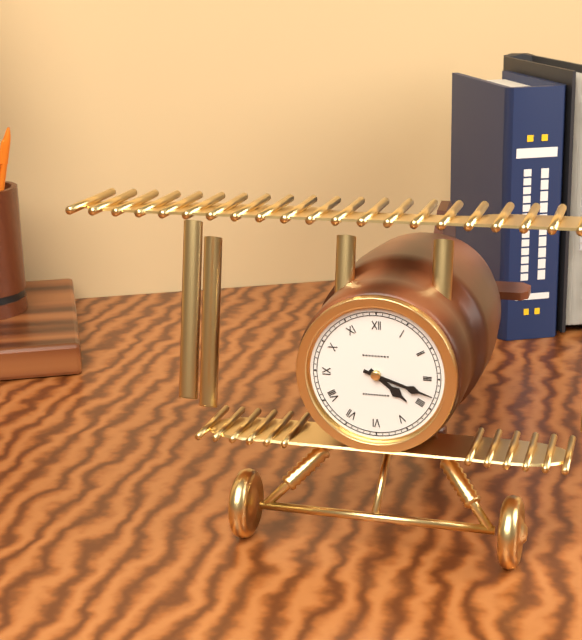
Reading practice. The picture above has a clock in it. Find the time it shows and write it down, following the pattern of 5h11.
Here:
4h18
